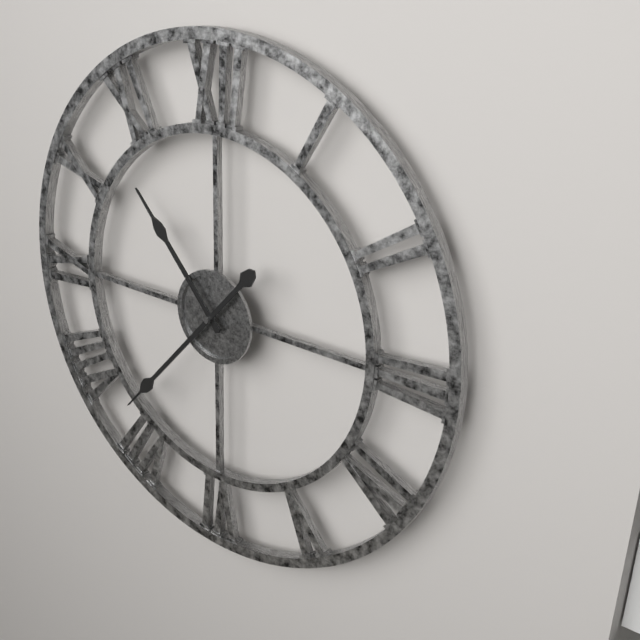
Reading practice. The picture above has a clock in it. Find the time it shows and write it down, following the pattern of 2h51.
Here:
10h37
